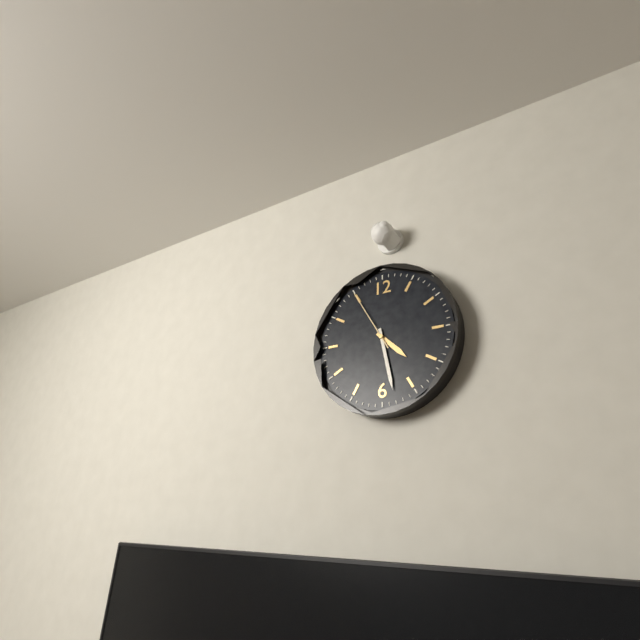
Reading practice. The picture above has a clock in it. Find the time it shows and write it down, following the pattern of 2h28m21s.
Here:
4h28m55s
